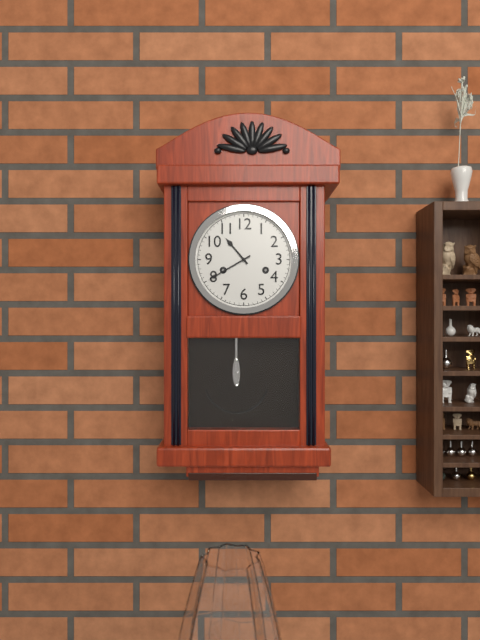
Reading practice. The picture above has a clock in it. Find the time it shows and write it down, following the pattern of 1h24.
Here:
10h40
